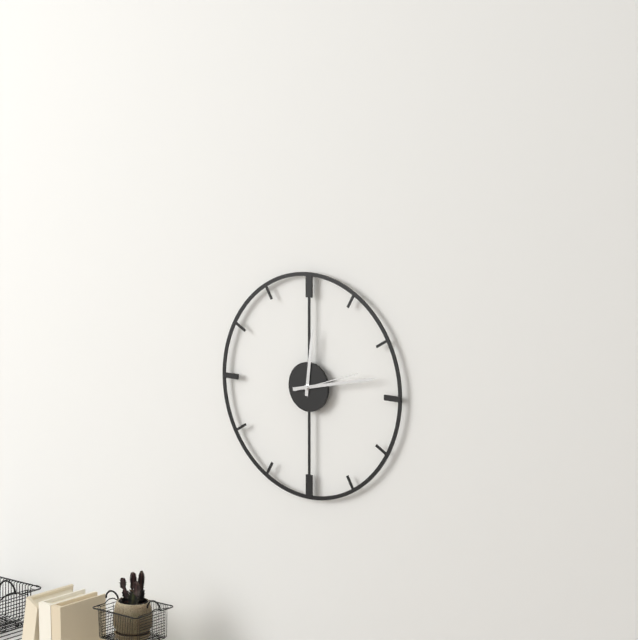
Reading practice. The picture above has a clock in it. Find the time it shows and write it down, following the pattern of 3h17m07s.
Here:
12h13m12s
